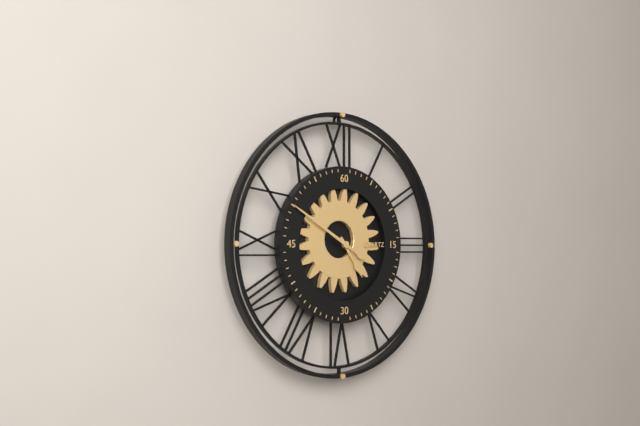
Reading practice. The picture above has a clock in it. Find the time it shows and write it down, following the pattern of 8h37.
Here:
4h50
